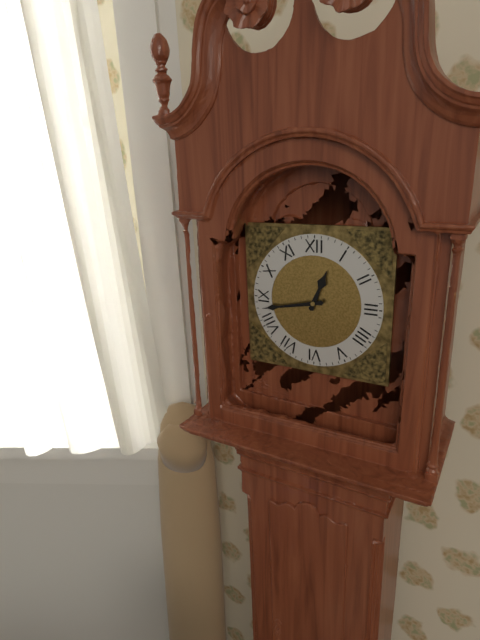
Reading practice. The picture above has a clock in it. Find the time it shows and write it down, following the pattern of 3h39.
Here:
12h43
